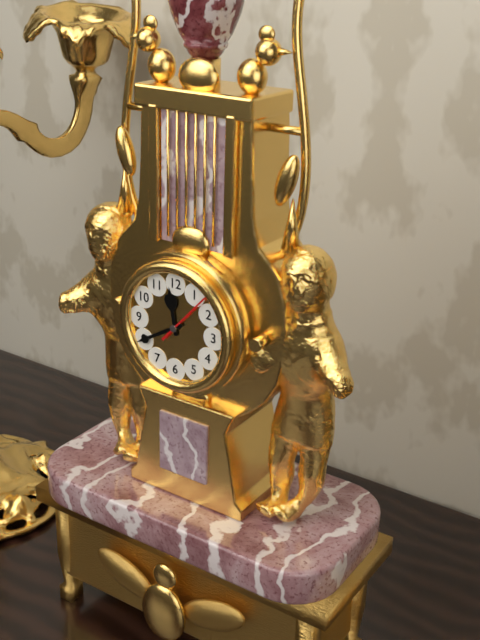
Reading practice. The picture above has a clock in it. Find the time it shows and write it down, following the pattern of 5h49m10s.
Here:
11h40m07s
